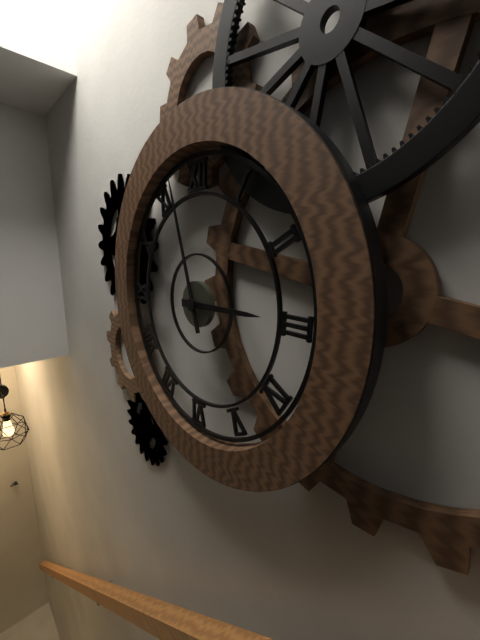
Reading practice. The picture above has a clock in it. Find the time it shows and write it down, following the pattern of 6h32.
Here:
2h57
